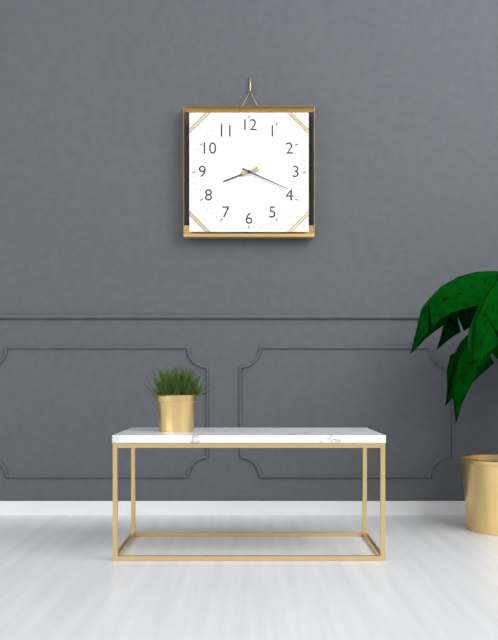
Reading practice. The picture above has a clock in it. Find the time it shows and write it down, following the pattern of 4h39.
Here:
8h19
